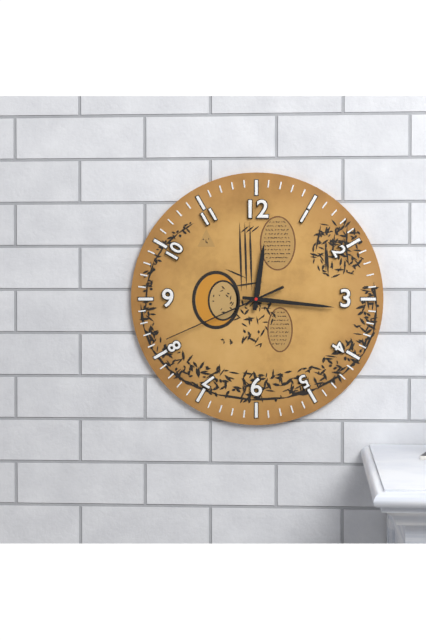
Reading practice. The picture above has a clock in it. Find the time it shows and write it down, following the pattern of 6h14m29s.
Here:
12h16m41s
